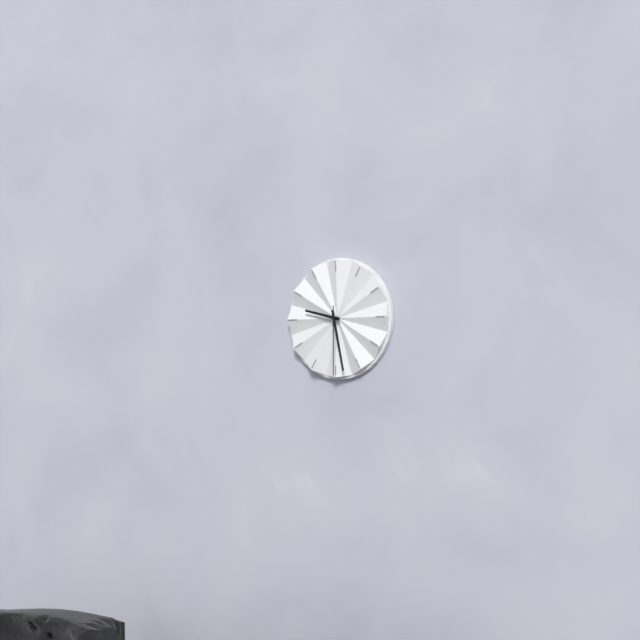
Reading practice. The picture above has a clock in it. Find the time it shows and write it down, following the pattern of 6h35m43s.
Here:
9h28m30s
